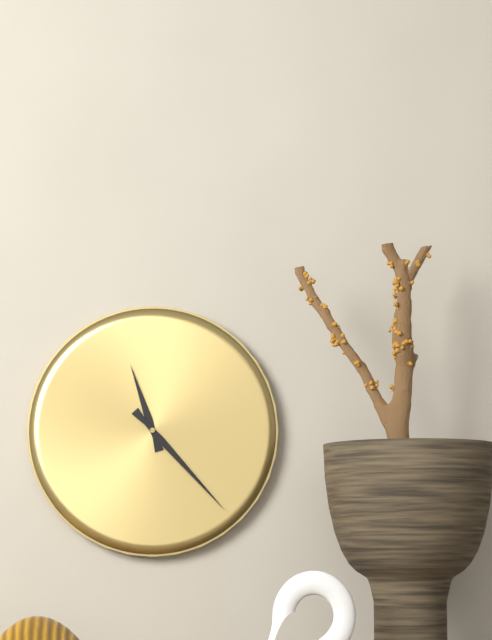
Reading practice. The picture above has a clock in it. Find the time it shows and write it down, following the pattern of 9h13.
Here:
11h23
